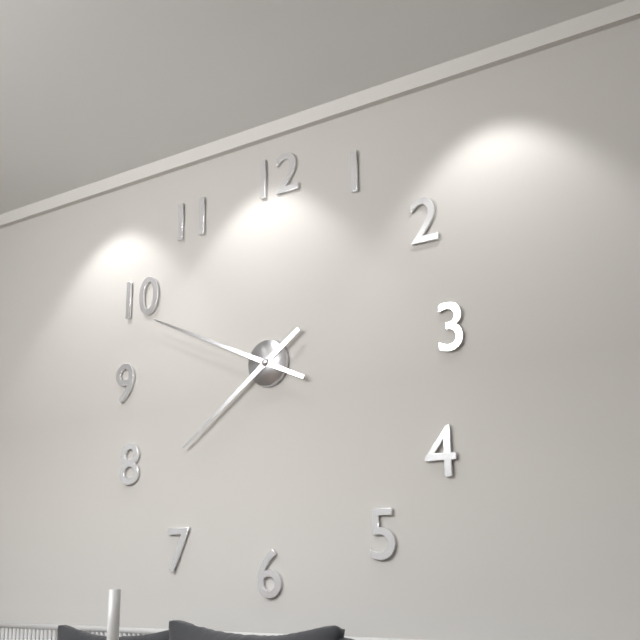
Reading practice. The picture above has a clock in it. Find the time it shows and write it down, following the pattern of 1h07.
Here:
7h49
